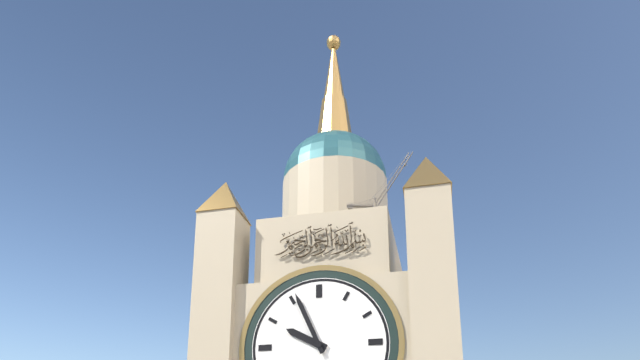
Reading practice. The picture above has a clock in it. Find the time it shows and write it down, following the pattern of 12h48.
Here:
9h56
